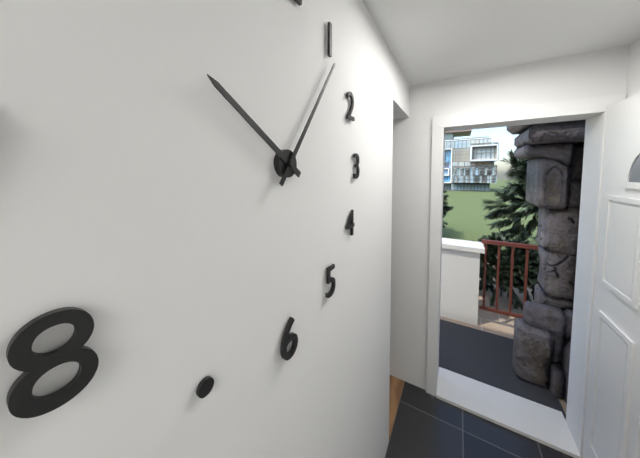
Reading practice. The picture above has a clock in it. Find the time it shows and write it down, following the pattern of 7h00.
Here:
10h06
